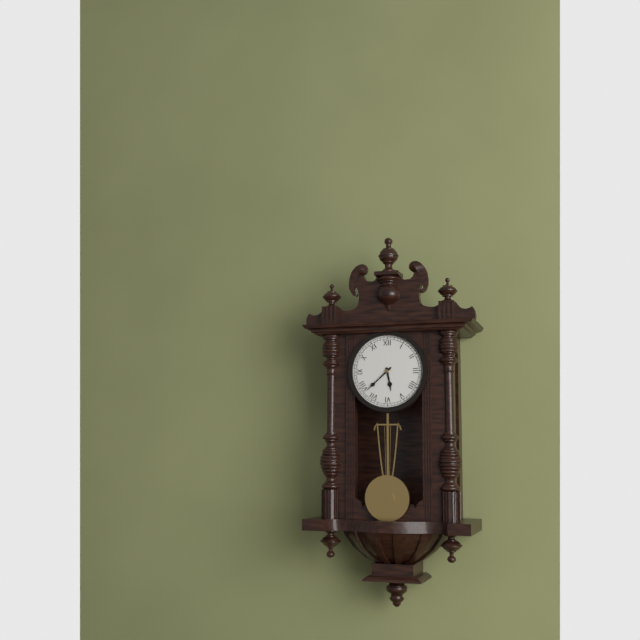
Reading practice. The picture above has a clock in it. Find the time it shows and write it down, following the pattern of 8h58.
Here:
5h38
